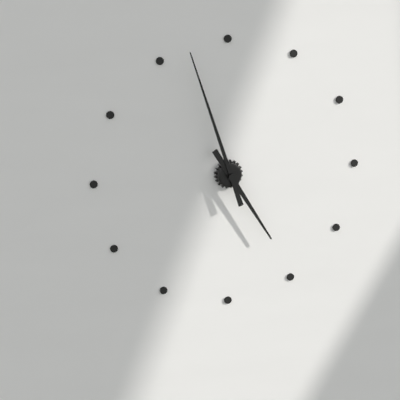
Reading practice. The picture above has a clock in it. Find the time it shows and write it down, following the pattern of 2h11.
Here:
4h57
